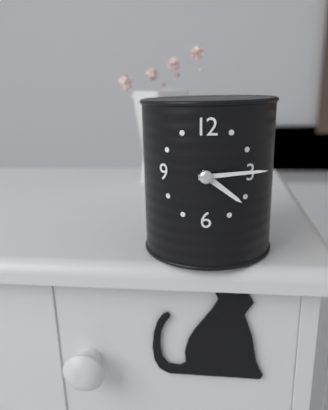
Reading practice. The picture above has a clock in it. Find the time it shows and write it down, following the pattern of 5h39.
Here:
4h14
